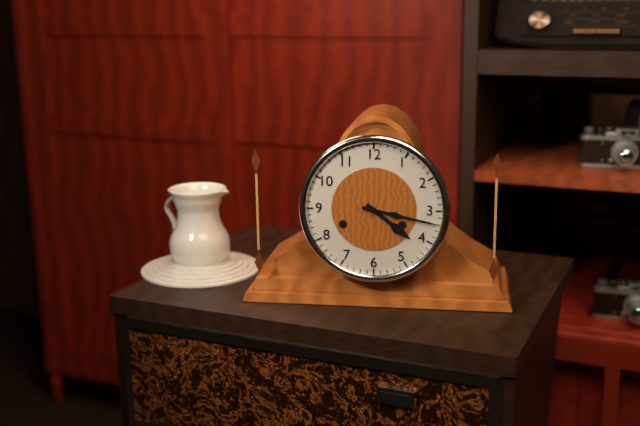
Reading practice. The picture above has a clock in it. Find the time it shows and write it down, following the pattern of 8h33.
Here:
4h17
